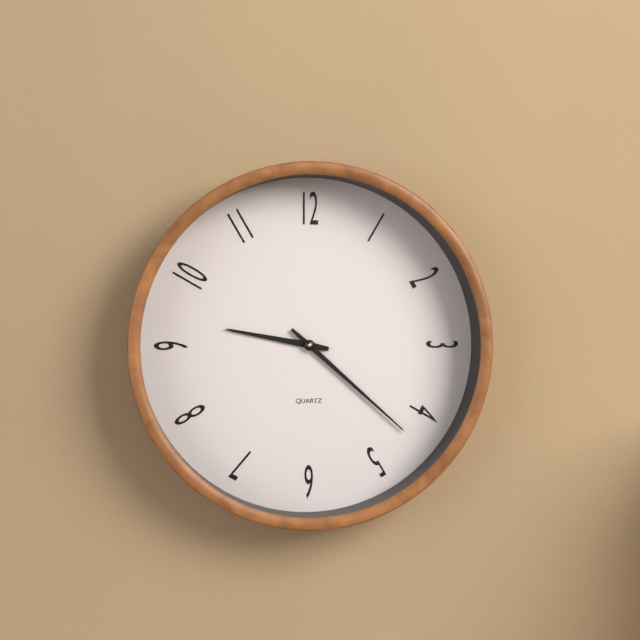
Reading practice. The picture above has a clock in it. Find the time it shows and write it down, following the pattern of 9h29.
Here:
9h22
